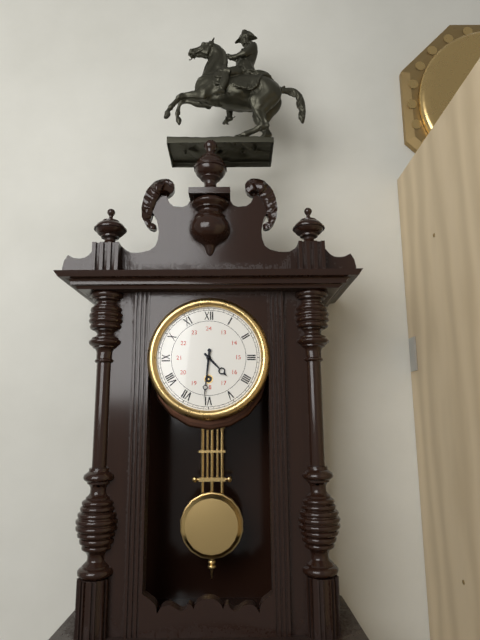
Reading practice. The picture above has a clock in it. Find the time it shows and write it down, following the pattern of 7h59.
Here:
4h31
